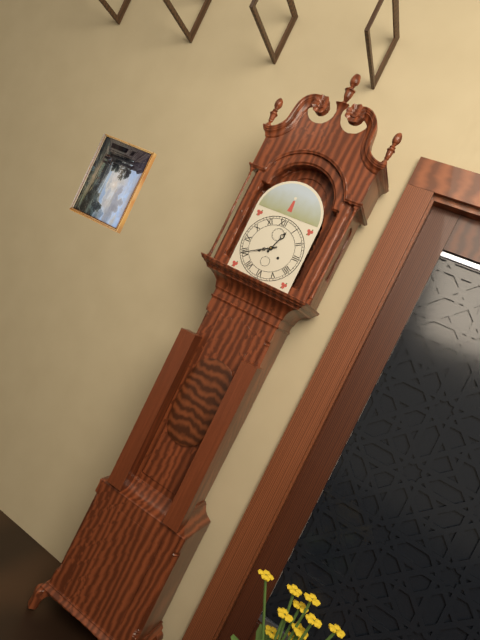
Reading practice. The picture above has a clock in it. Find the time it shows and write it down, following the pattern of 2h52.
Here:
12h40
